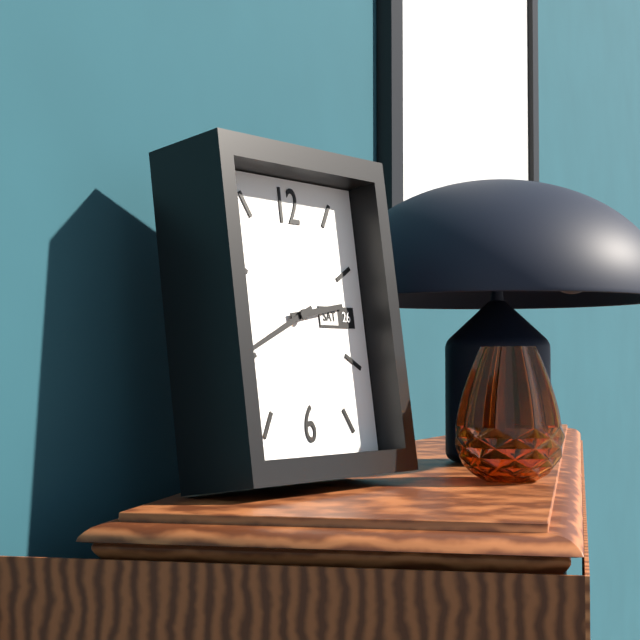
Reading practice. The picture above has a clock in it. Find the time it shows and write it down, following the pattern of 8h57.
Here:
2h41
